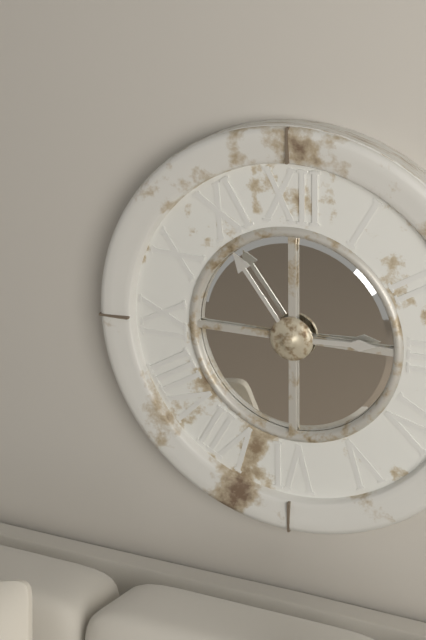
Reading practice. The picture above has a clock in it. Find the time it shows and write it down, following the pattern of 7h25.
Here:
2h54
